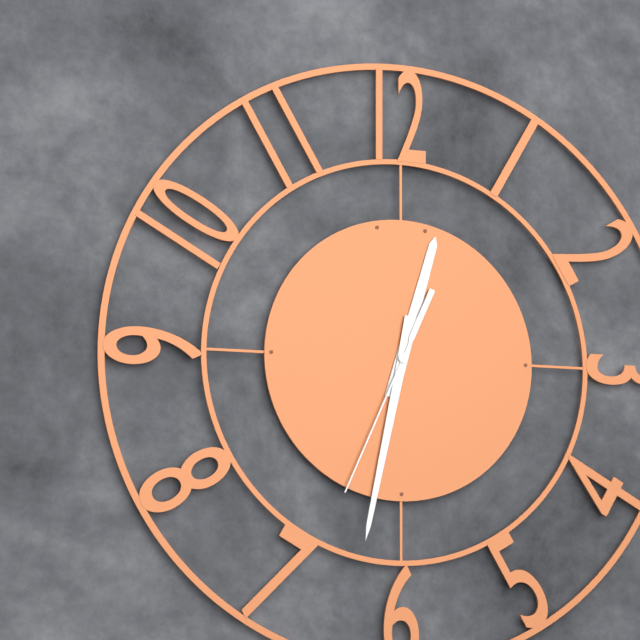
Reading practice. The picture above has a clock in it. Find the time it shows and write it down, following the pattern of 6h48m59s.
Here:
12h32m34s
